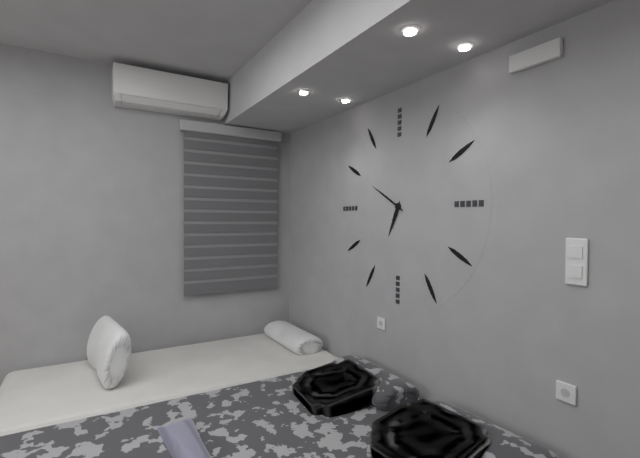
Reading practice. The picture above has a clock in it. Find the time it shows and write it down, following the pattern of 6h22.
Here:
6h50
